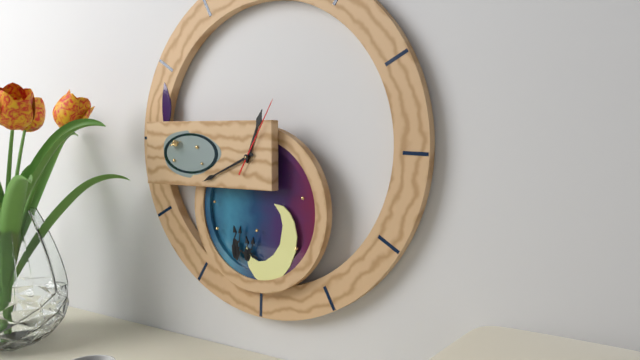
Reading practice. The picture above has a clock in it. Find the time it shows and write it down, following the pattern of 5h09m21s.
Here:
12h41m05s
